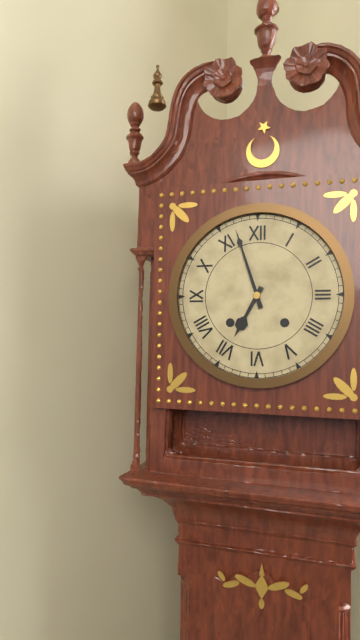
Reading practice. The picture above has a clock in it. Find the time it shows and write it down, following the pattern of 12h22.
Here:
6h57
